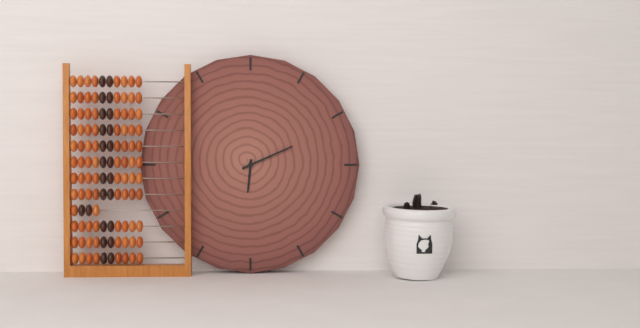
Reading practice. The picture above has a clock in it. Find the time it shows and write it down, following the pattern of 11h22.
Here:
6h11
